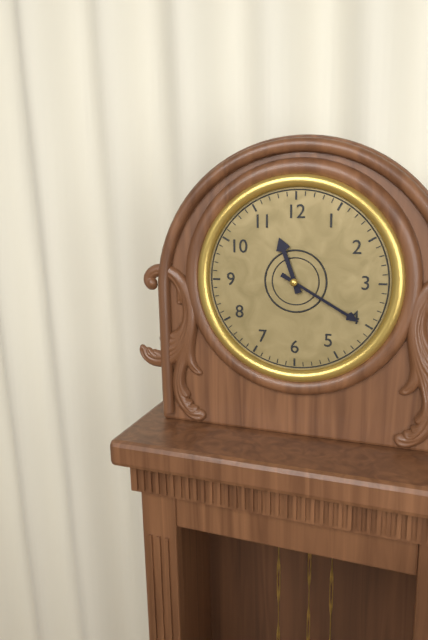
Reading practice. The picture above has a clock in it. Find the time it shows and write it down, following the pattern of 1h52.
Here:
11h20
